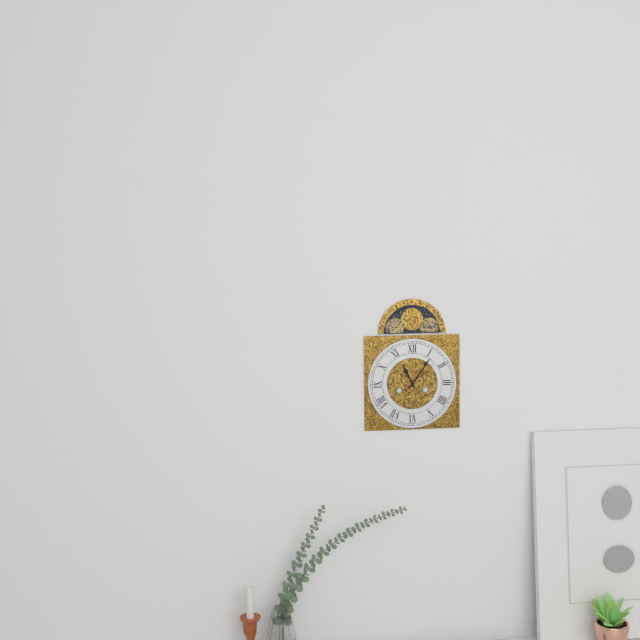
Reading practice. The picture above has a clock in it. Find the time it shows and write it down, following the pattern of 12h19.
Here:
11h06
